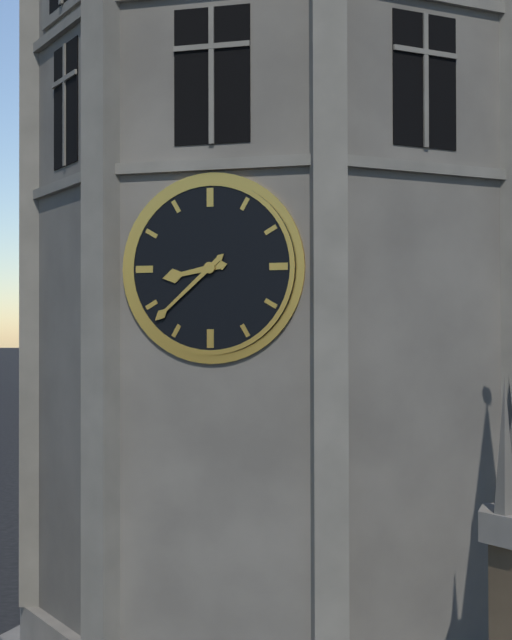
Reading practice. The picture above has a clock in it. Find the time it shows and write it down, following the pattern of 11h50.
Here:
8h38
